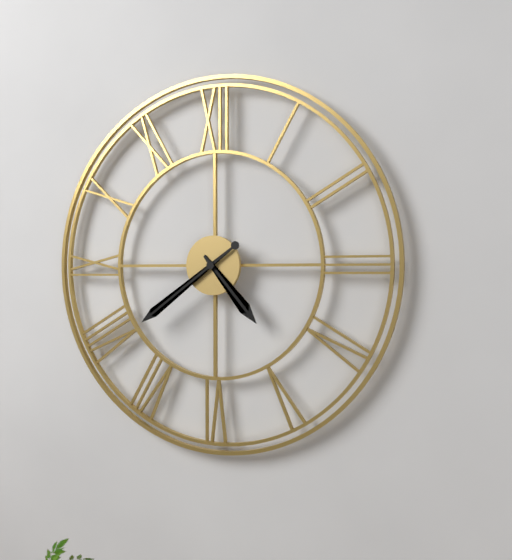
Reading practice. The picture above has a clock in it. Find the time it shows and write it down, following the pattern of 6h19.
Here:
4h39
